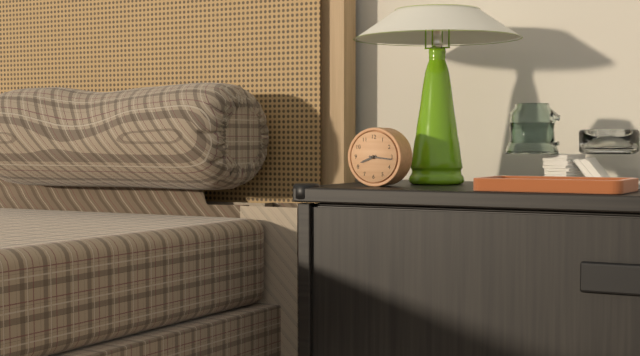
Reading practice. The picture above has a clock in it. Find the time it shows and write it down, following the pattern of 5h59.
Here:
8h16
